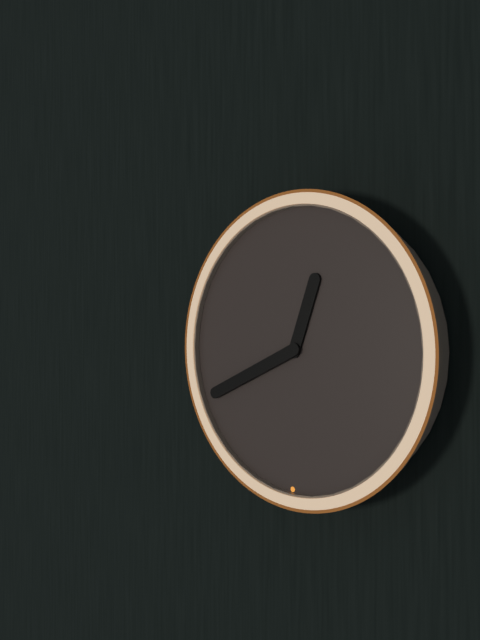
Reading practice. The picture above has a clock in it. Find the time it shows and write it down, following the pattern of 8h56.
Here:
12h41
